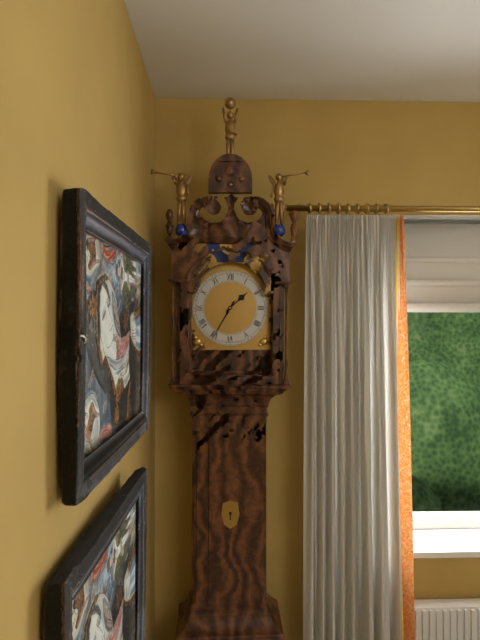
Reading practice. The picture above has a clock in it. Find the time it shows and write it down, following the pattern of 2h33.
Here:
1h35
